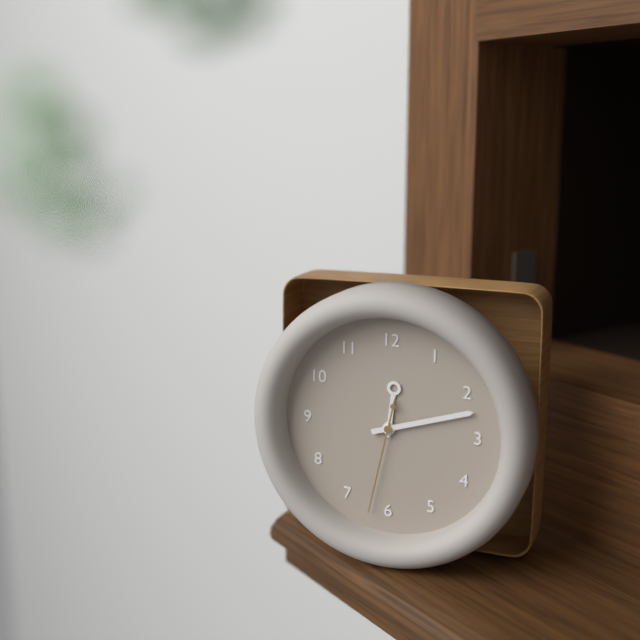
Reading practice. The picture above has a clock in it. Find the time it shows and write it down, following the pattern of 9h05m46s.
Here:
12h12m32s
